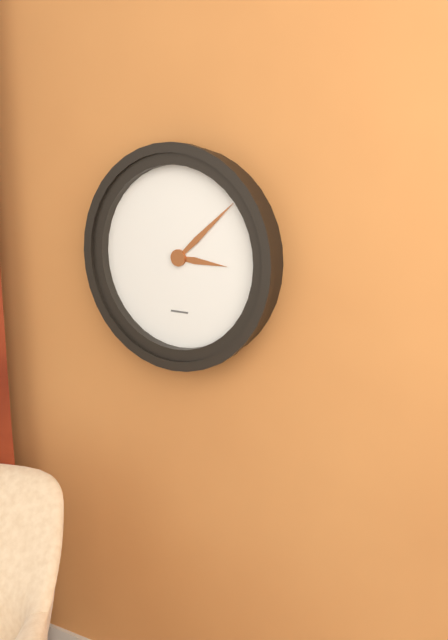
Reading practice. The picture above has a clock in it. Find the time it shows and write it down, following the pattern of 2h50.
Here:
3h08
